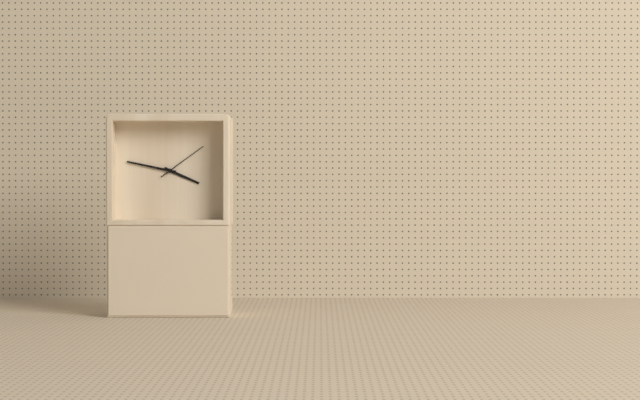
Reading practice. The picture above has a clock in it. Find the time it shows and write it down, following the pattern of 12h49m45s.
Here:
3h47m09s
